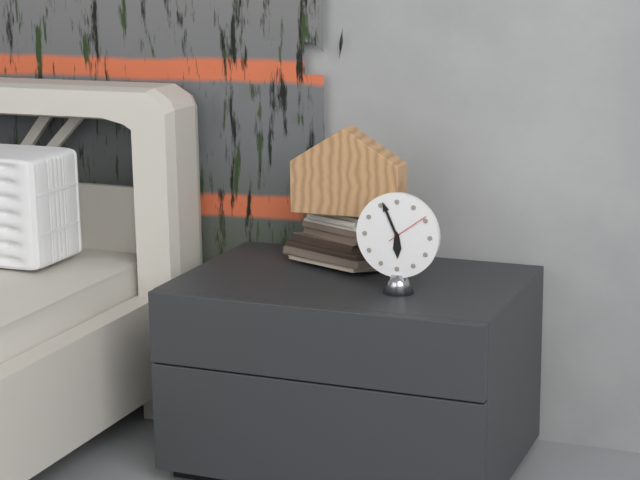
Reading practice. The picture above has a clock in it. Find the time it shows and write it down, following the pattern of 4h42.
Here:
5h56
